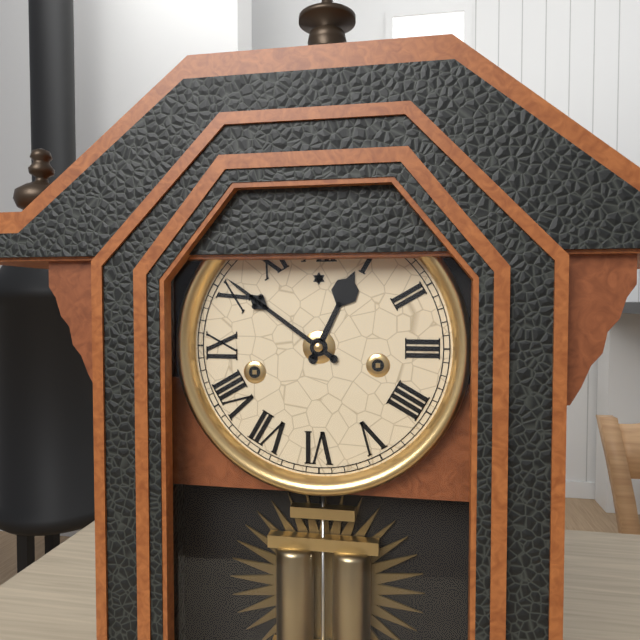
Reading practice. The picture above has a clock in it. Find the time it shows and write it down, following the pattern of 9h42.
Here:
12h51
